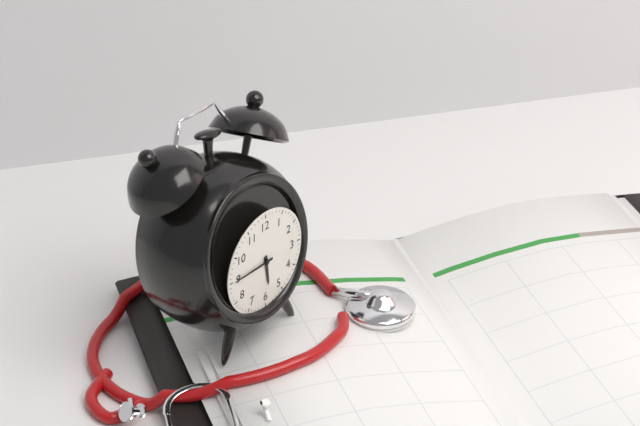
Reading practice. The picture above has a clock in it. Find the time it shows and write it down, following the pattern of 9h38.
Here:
5h45
